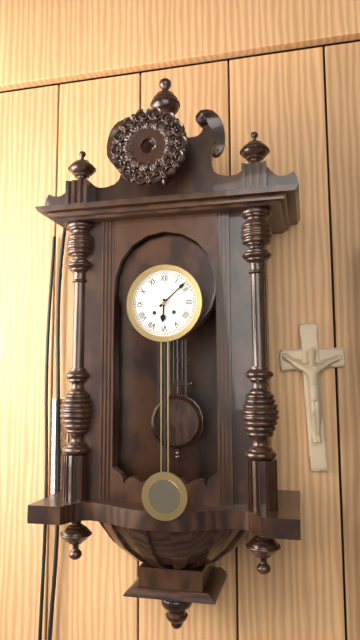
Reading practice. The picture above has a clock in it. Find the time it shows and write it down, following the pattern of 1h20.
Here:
6h08
